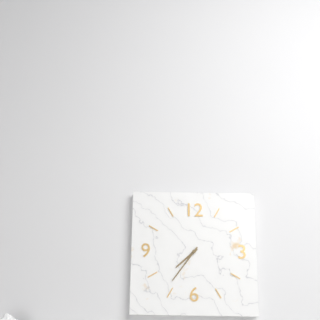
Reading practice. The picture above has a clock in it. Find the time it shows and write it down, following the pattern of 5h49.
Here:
7h36
